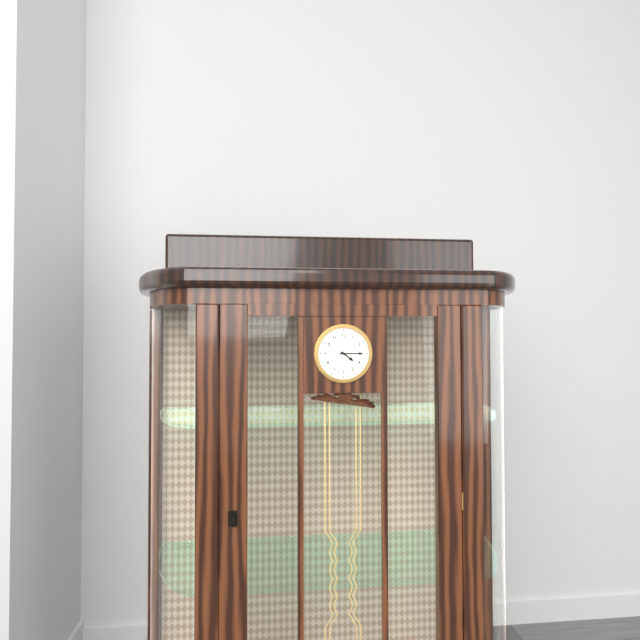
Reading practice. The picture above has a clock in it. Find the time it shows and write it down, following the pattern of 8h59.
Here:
4h15
